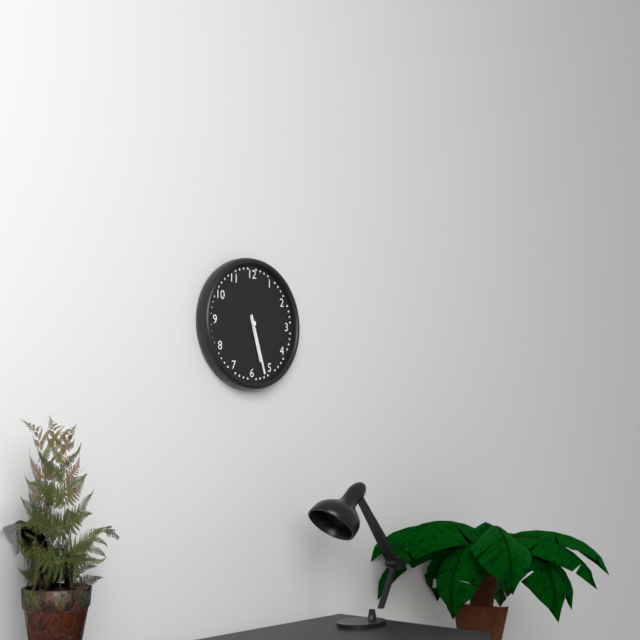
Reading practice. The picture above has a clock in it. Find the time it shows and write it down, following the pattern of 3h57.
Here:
5h27
